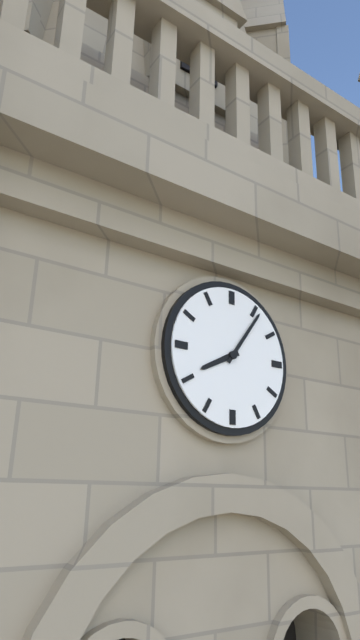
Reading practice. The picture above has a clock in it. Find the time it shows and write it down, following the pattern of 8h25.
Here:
8h06
